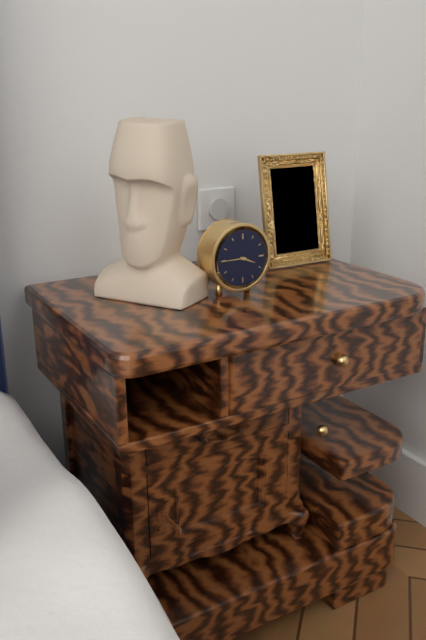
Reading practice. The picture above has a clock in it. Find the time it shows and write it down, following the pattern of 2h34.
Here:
3h45
